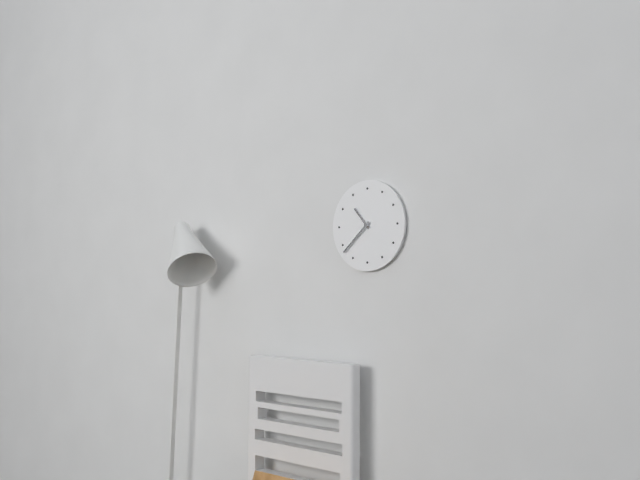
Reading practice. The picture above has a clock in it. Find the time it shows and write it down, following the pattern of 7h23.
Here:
10h38
